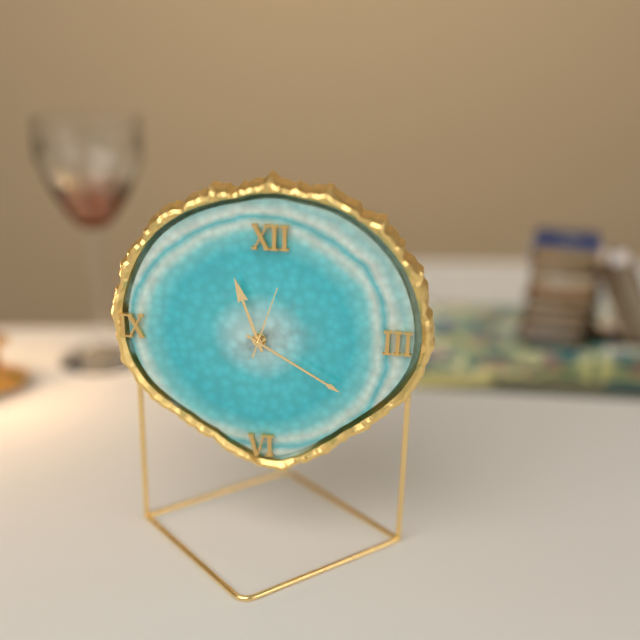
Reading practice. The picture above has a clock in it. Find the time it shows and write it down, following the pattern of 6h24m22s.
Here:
11h20m03s
